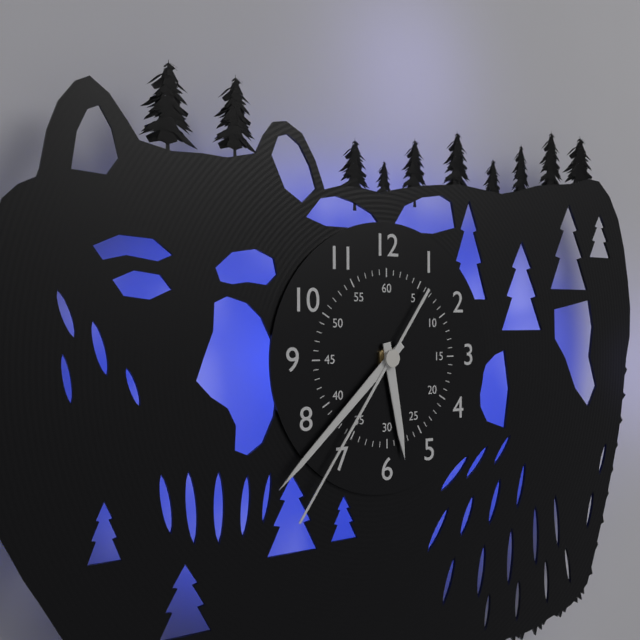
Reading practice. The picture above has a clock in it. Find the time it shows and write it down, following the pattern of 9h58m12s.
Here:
5h38m36s
